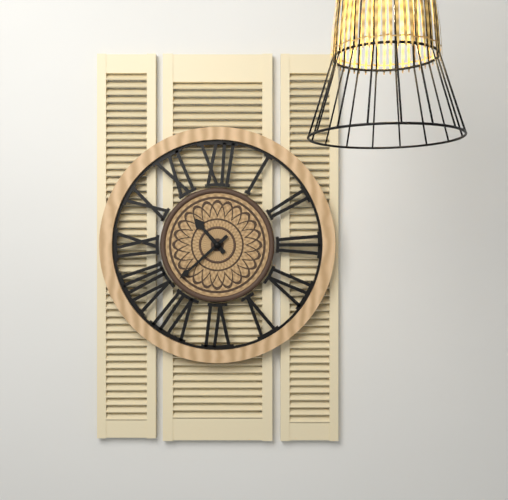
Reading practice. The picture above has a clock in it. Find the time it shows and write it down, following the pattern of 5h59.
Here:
10h38
